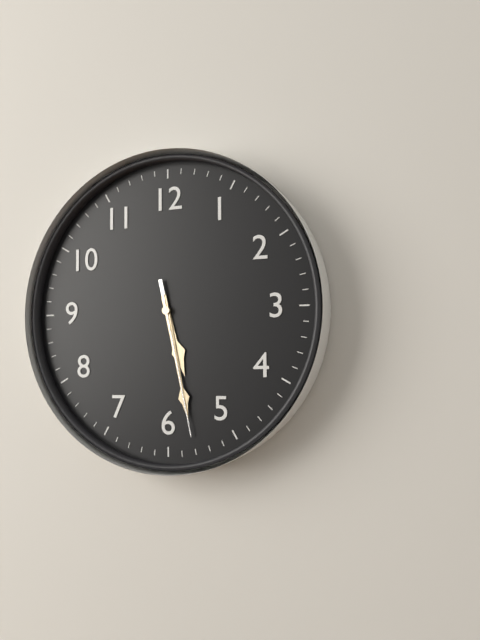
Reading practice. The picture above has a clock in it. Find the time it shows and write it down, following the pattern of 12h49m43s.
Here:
5h28m28s
